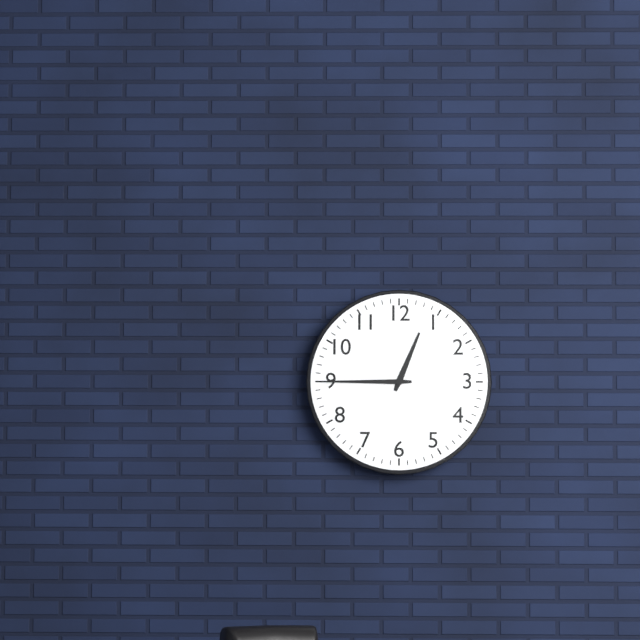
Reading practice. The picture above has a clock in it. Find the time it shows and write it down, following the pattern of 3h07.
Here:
12h45
